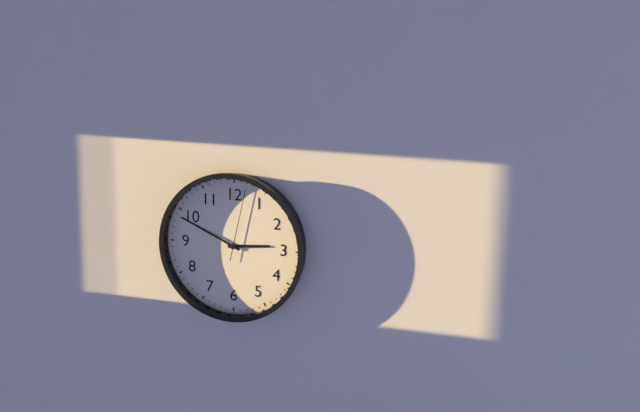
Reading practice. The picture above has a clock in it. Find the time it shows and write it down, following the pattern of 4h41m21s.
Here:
2h49m02s
